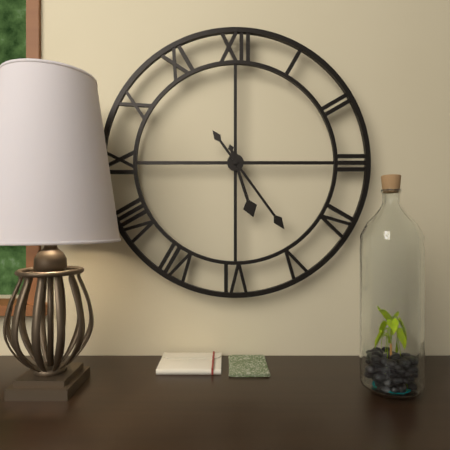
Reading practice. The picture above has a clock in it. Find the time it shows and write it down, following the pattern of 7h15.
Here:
5h24
